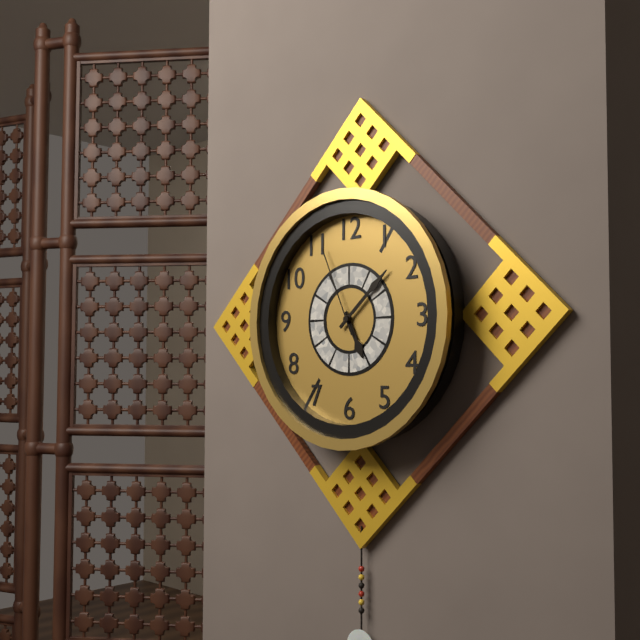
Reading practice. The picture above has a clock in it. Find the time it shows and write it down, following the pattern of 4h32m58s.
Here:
5h08m56s
